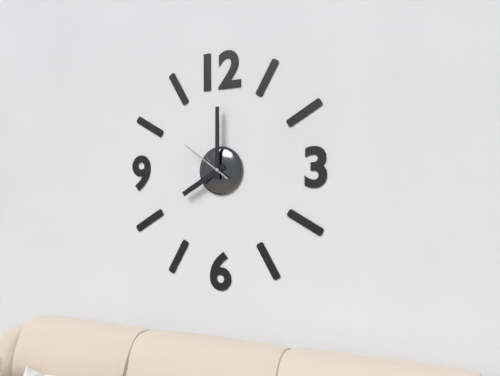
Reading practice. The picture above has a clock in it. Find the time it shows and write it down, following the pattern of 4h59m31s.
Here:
8h00m51s
